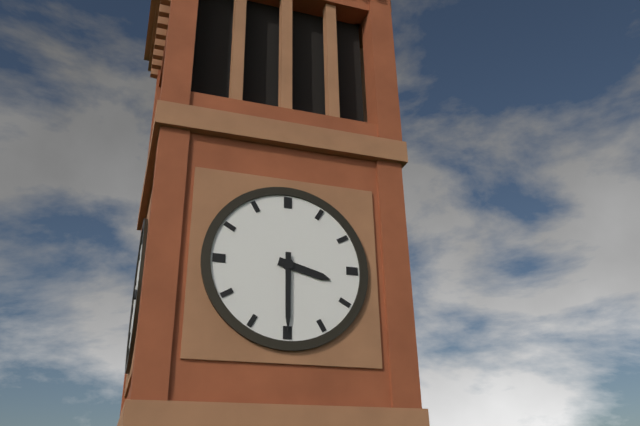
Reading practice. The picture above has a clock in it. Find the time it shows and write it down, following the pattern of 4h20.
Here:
3h30
